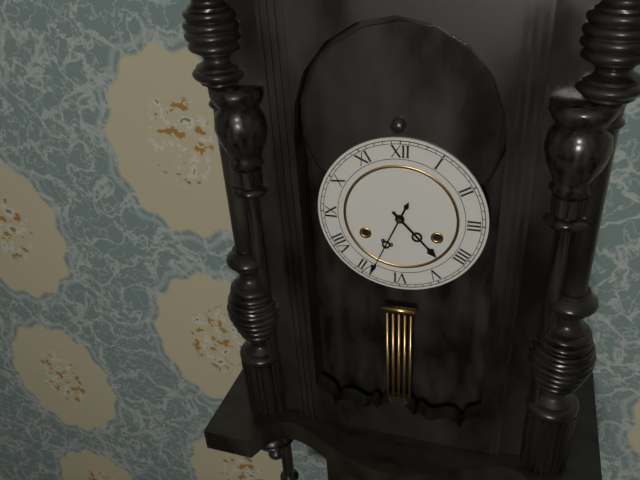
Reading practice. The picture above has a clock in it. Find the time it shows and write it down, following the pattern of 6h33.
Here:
4h34
